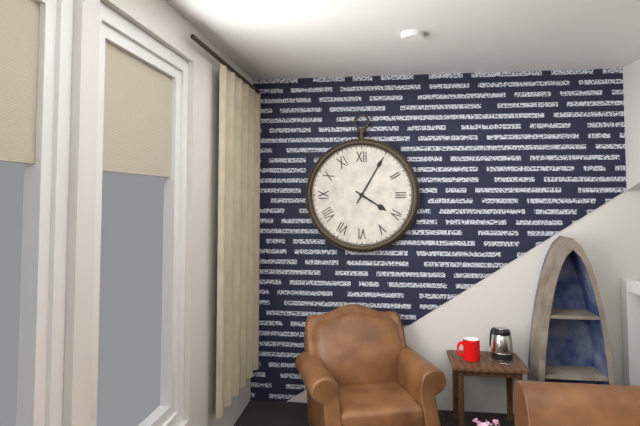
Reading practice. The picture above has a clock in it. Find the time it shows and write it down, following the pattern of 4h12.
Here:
4h05
